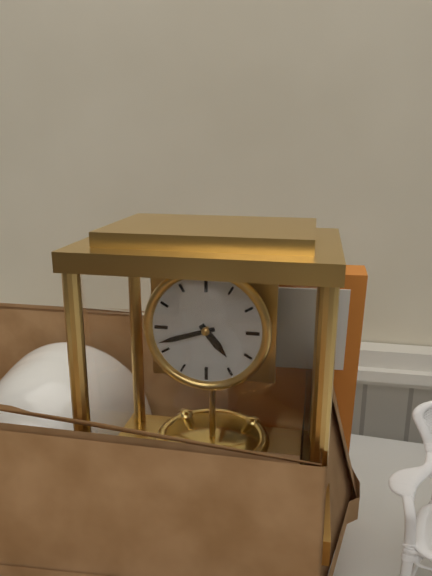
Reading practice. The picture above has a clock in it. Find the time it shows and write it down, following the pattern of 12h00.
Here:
4h42
